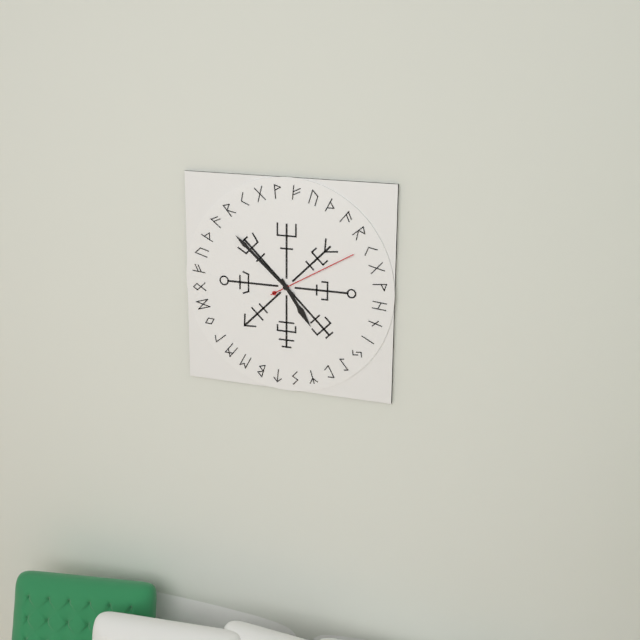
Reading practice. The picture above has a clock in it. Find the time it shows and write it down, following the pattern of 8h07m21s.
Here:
4h52m10s
